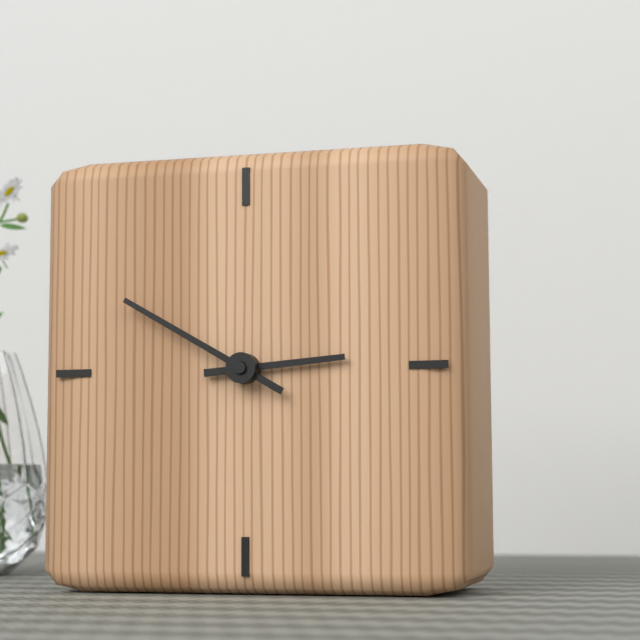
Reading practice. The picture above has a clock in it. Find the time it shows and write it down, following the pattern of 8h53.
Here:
2h50
